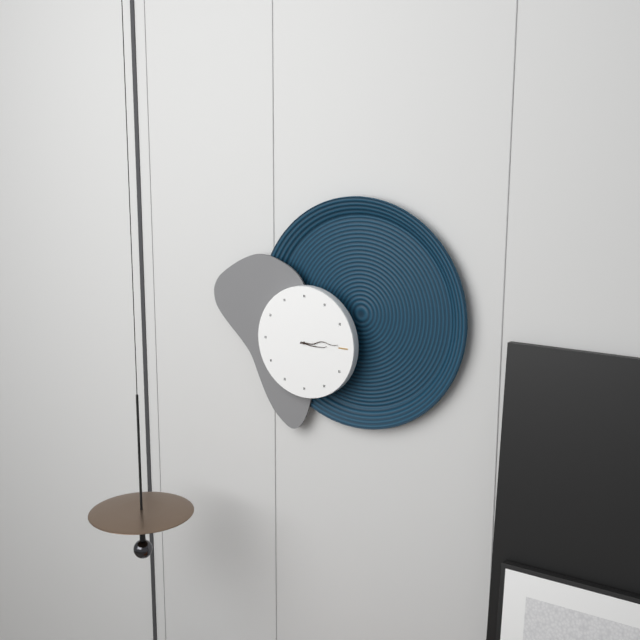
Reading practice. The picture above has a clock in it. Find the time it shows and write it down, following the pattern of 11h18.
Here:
3h14
